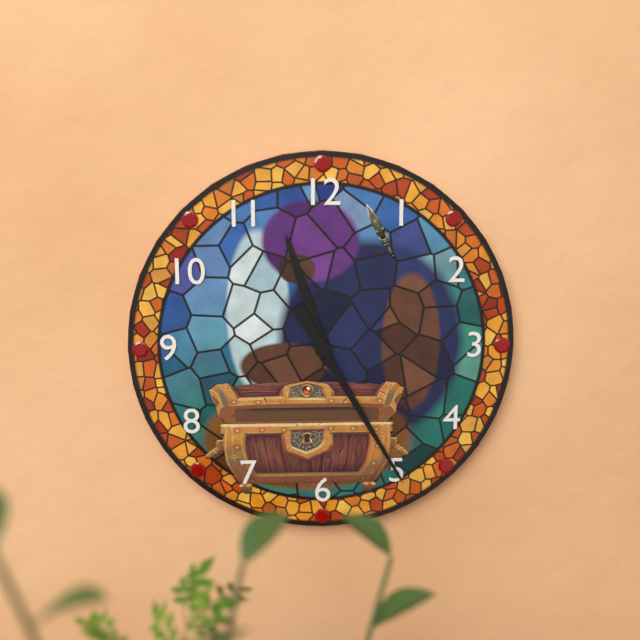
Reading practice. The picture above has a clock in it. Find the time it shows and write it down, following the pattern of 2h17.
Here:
11h25
